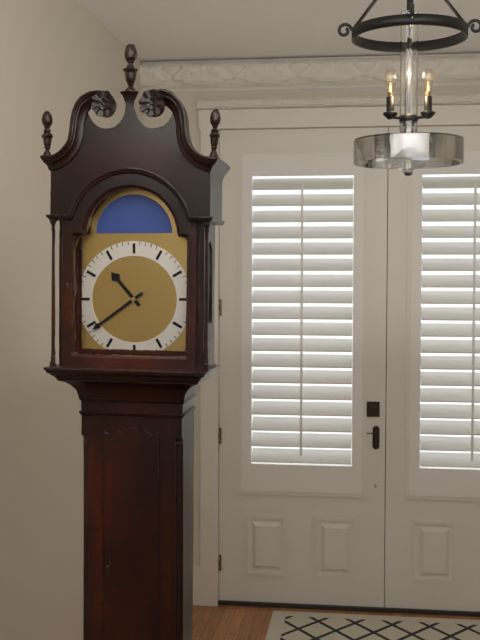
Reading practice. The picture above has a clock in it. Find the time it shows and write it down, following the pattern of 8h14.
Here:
10h39
